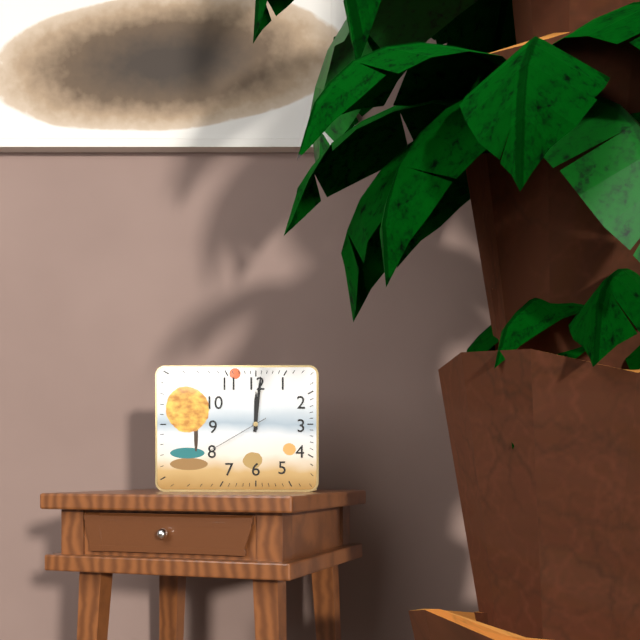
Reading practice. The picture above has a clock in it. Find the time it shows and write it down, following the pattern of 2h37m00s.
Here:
12h01m40s
